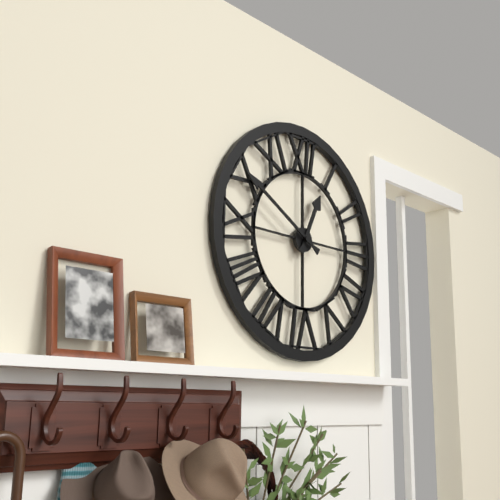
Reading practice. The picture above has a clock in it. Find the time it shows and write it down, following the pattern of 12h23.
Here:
12h50
